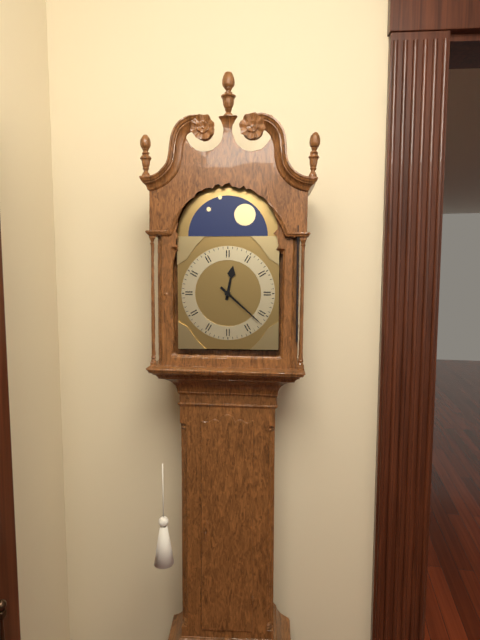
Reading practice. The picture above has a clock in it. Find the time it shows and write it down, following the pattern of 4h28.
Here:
12h22
